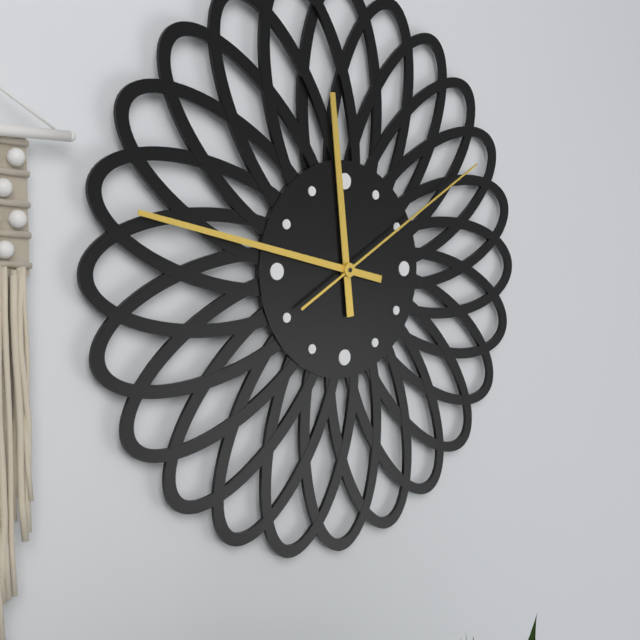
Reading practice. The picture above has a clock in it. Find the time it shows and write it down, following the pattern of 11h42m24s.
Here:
11h47m10s
